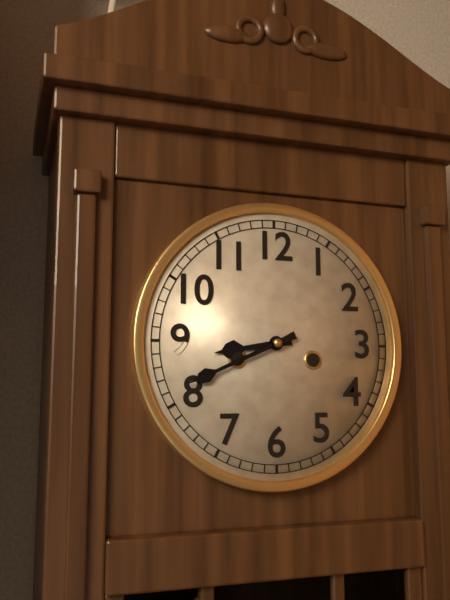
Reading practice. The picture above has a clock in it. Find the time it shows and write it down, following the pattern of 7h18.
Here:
8h41
